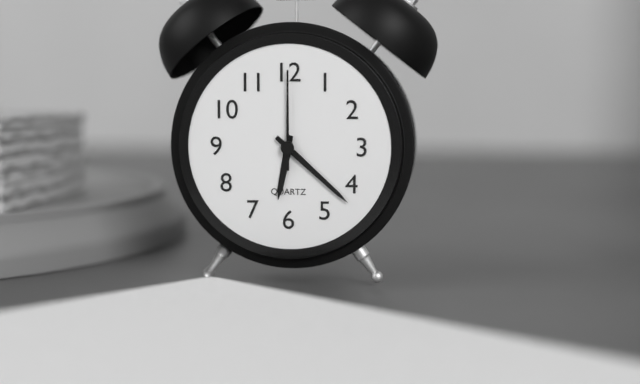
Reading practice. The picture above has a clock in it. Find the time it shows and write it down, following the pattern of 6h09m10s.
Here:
6h22m00s
